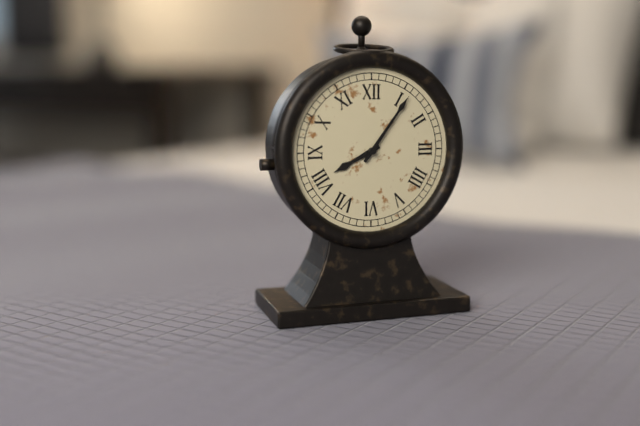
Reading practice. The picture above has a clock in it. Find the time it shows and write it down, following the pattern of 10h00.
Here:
8h06
